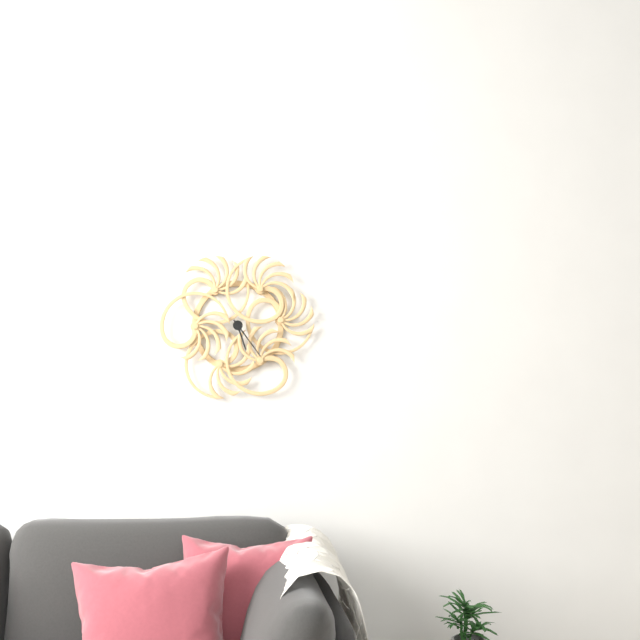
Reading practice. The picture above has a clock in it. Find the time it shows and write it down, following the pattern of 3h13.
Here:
5h24
